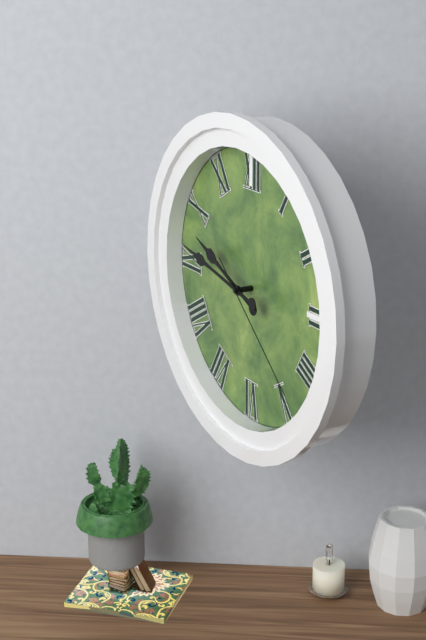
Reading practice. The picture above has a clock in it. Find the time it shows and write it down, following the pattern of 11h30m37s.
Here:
9h47m22s
